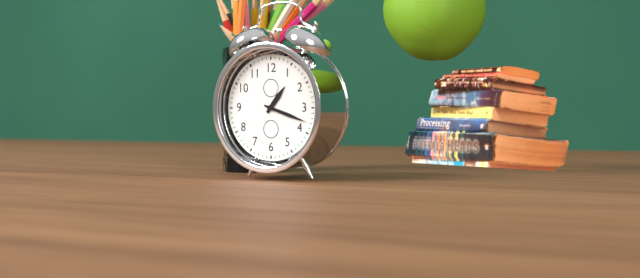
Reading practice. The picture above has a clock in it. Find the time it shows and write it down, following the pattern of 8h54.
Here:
1h18
